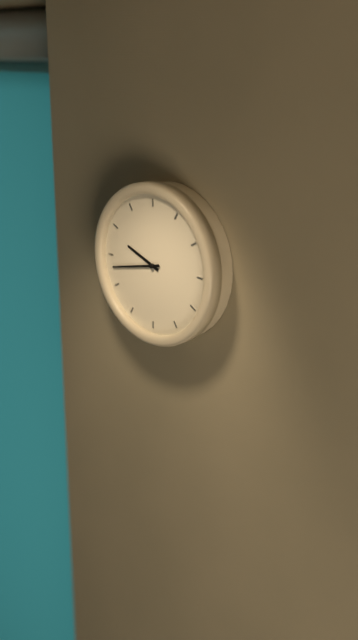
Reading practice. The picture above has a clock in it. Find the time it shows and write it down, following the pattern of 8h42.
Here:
9h43
